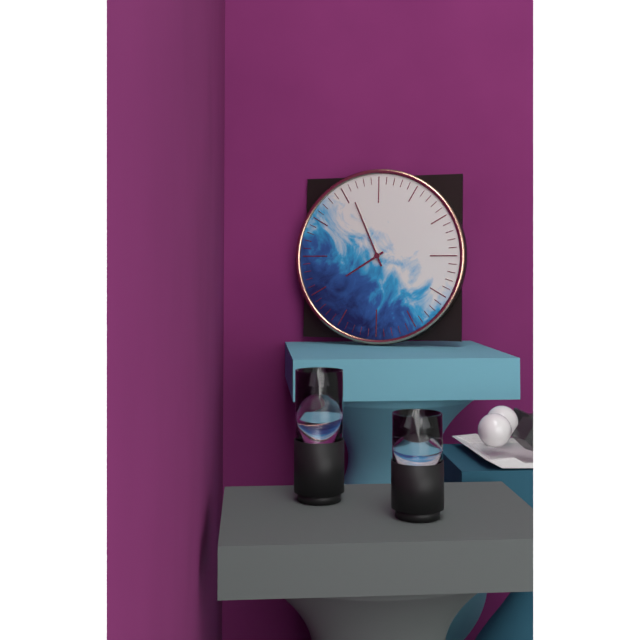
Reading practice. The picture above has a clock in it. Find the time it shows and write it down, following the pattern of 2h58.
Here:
7h56
